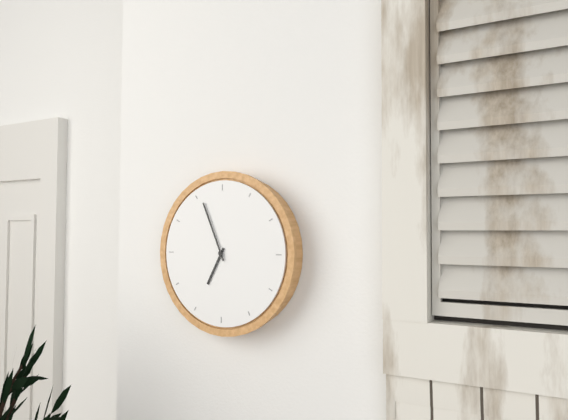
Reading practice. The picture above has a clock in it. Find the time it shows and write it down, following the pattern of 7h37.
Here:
6h56
